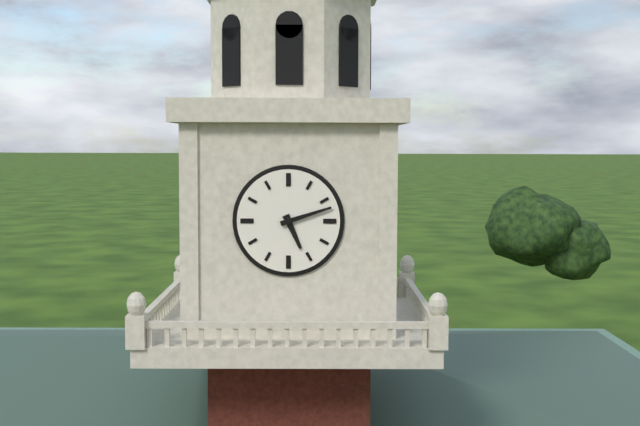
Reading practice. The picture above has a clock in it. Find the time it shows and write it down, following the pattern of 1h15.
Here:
5h12
